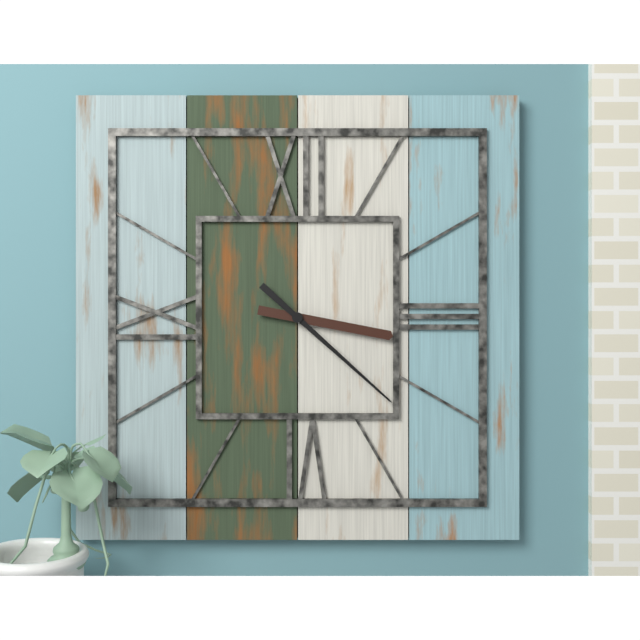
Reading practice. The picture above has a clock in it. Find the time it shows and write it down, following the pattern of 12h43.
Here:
3h22
